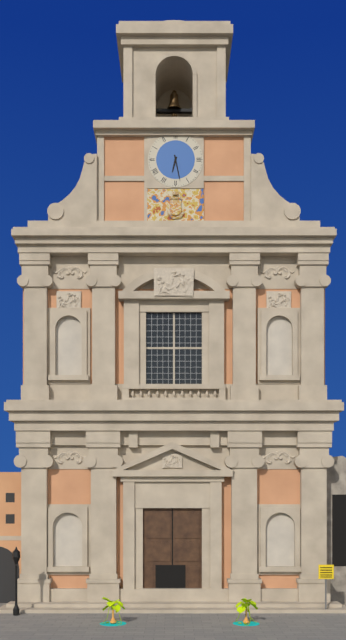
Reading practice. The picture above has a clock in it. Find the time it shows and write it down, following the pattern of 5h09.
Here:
6h28
